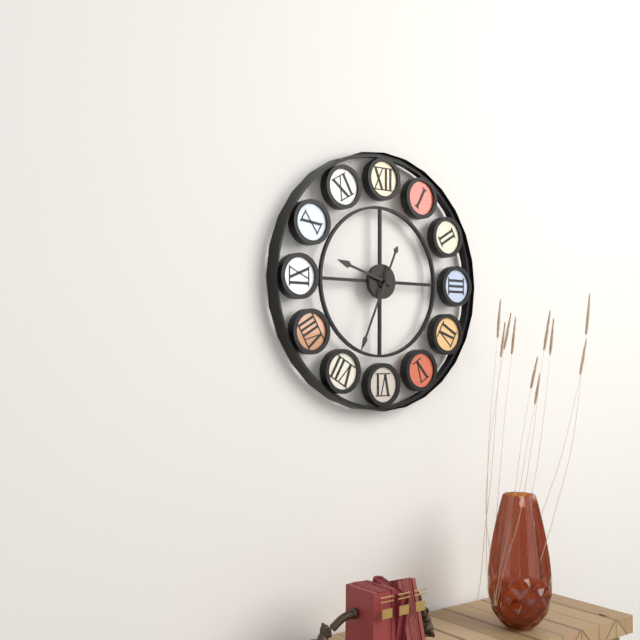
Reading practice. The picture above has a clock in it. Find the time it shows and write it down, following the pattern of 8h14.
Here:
9h34
